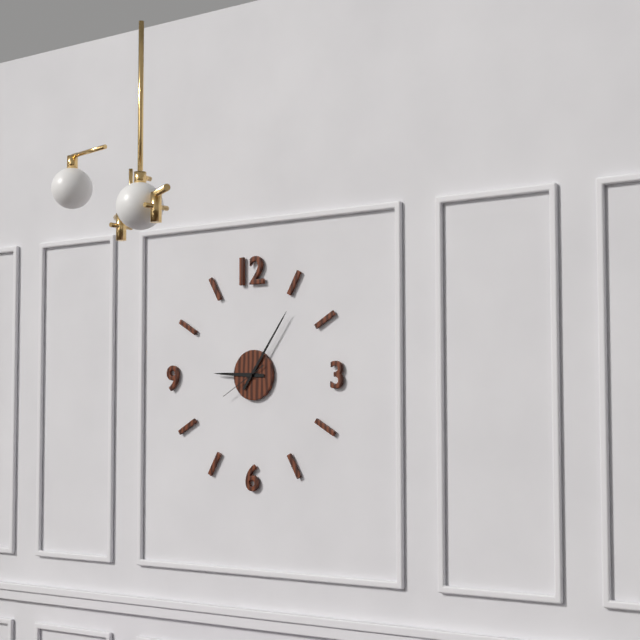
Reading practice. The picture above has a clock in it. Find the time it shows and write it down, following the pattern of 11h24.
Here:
9h06
